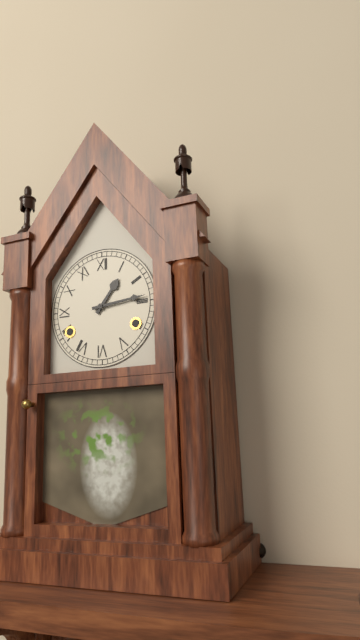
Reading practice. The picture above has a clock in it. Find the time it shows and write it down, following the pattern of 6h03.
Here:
1h14
